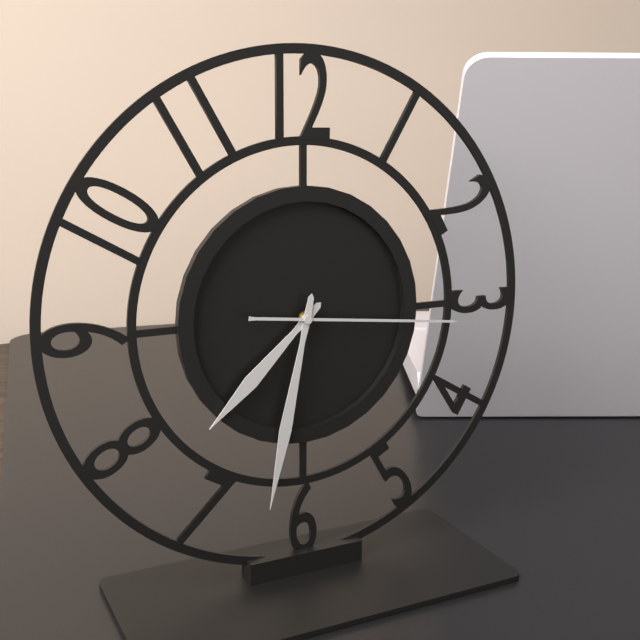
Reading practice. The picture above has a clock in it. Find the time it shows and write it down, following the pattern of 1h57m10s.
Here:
7h32m16s
